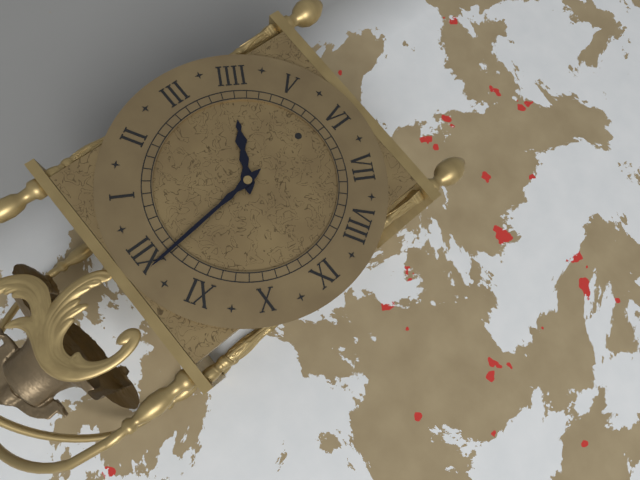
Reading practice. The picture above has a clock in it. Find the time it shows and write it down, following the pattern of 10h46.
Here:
3h59
